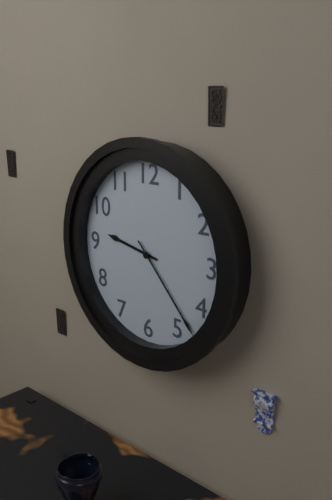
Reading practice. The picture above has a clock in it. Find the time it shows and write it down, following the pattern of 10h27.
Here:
9h23
